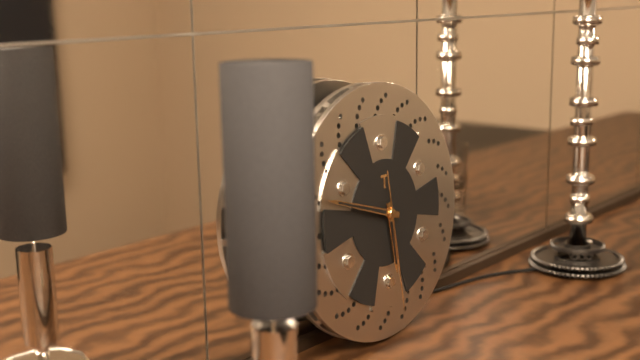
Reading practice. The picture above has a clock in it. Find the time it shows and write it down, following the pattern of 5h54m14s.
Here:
5h48m29s
